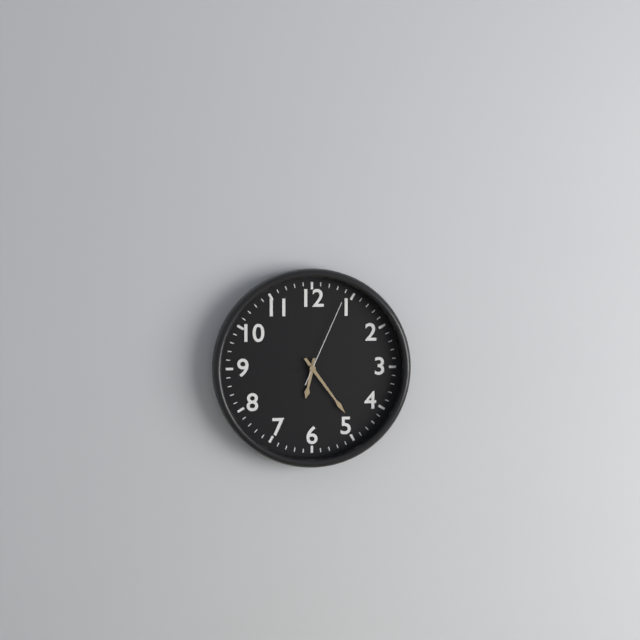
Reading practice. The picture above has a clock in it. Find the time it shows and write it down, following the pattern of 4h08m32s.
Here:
6h24m04s
